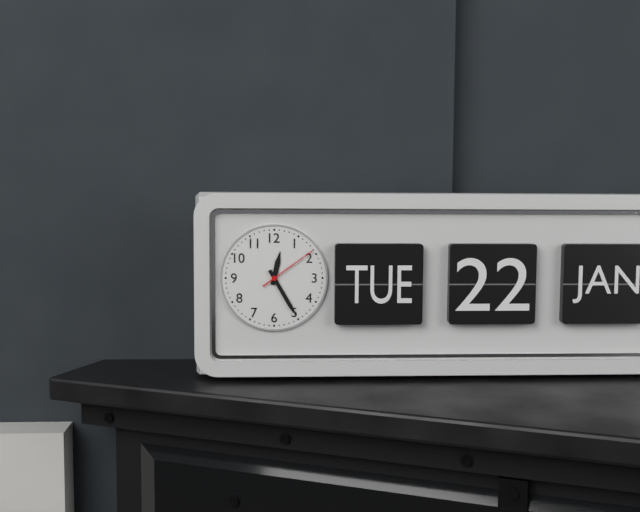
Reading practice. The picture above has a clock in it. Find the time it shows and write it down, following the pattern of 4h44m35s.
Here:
12h25m09s
